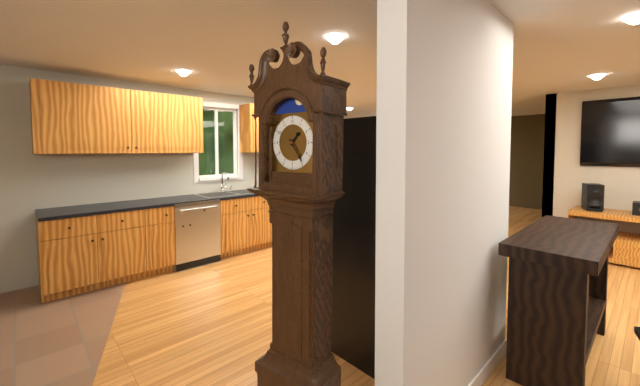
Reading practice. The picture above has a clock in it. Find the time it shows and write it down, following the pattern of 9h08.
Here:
1h24
